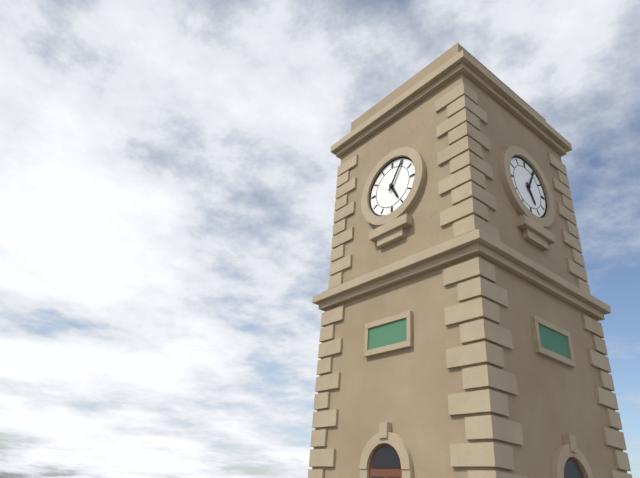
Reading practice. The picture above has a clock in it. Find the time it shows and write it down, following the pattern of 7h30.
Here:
5h05
